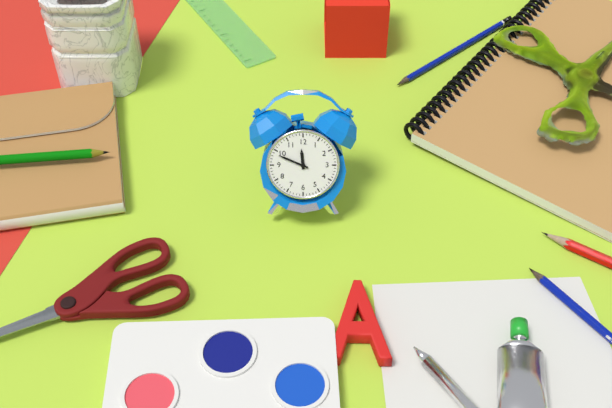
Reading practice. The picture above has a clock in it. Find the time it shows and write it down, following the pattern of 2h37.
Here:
11h49
